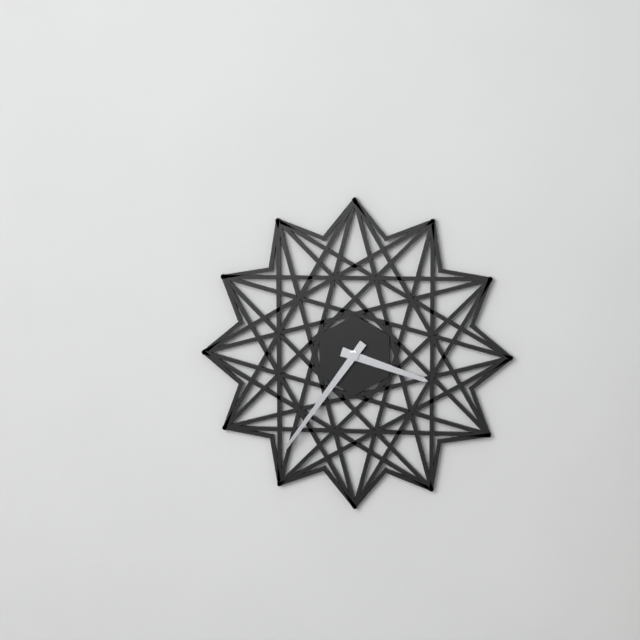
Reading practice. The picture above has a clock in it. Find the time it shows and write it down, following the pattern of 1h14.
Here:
3h36
